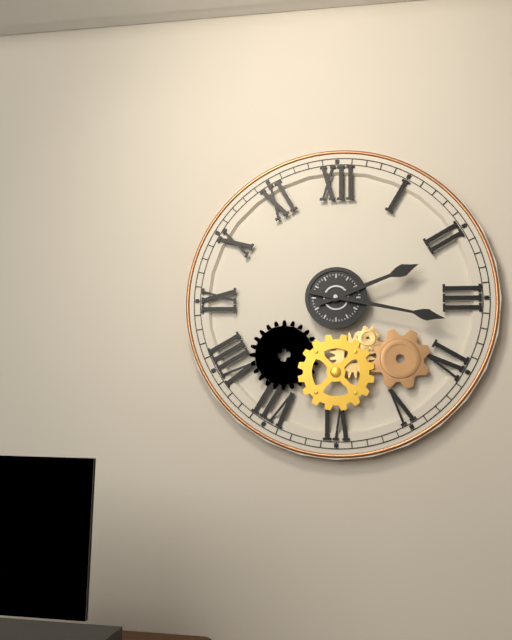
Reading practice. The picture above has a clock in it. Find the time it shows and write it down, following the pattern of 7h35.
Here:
2h17
